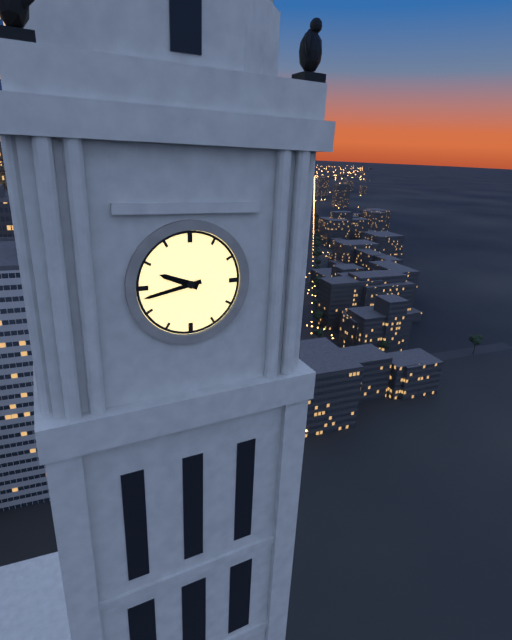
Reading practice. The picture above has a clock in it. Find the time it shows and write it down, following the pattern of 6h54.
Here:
9h43
